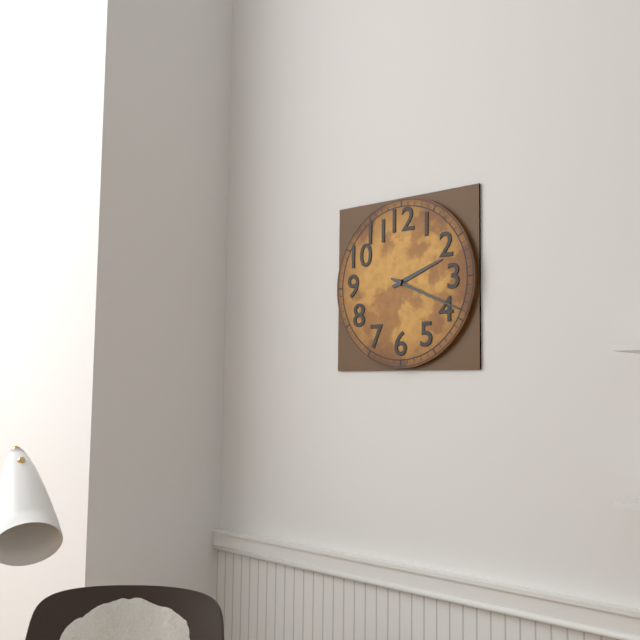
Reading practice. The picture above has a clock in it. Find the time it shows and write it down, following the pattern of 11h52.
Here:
2h19
